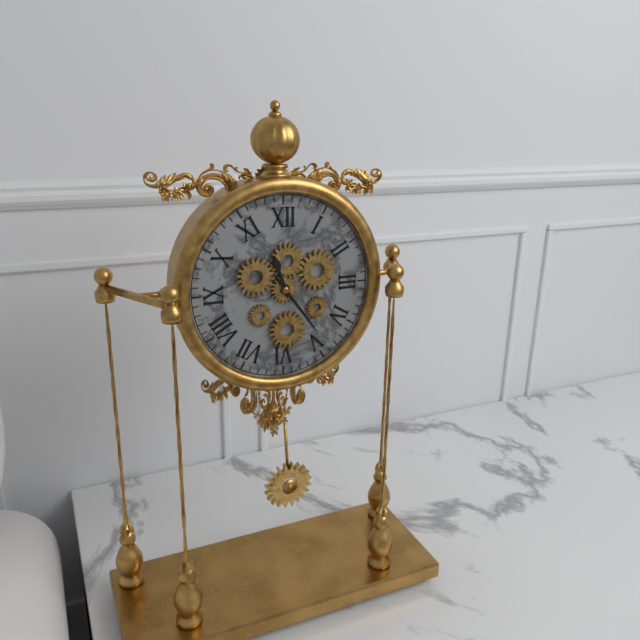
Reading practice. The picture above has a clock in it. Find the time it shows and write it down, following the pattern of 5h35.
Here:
11h24
